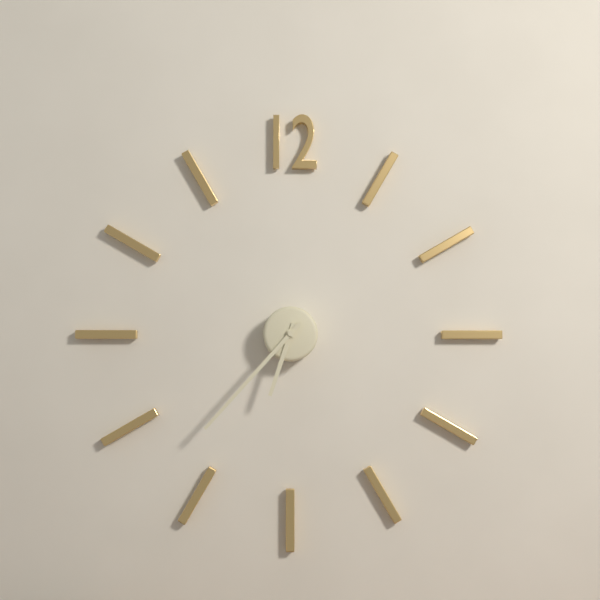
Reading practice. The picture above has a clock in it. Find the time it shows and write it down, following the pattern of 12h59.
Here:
6h37
